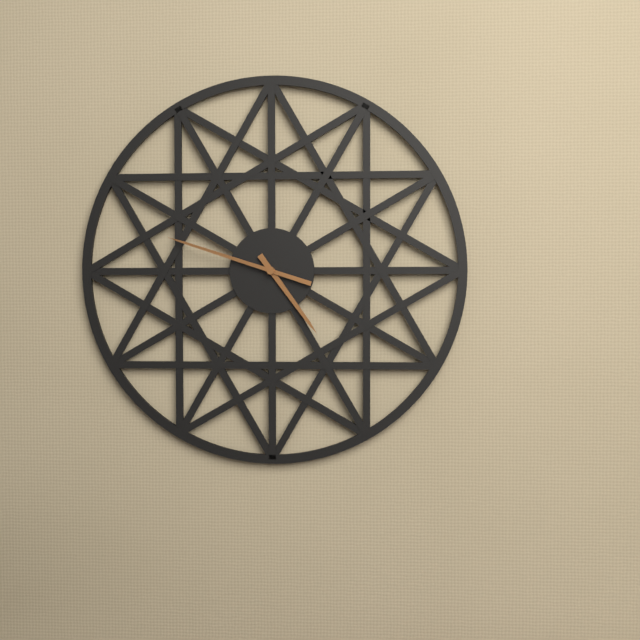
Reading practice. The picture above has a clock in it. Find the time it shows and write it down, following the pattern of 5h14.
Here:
4h48
